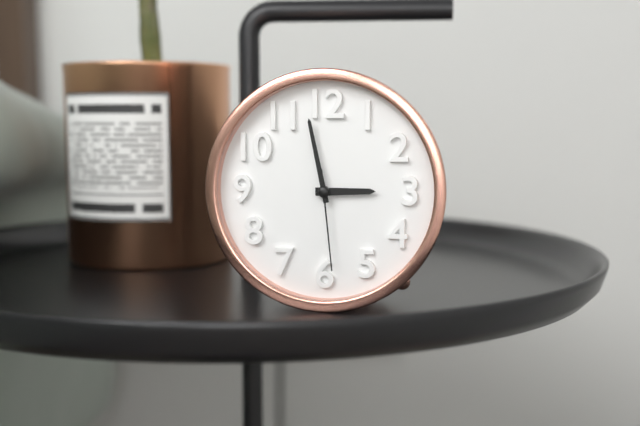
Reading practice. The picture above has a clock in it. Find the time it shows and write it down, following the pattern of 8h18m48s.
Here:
2h58m29s
